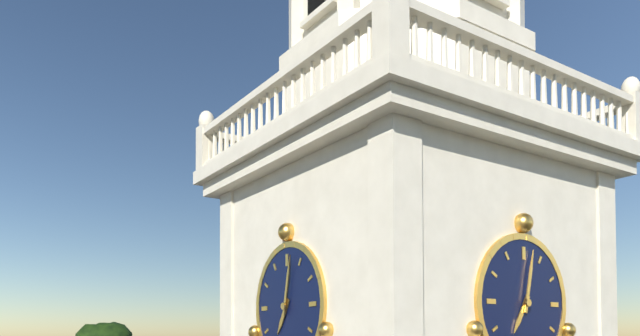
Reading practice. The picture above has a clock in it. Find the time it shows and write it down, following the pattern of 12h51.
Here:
7h02
